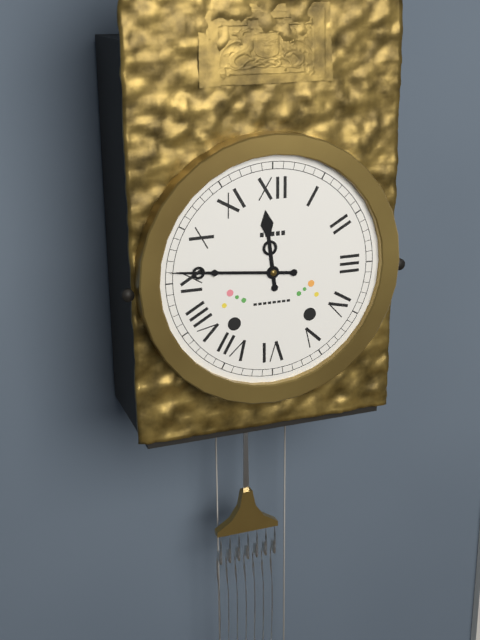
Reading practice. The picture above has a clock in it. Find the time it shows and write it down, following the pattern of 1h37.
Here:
11h46
